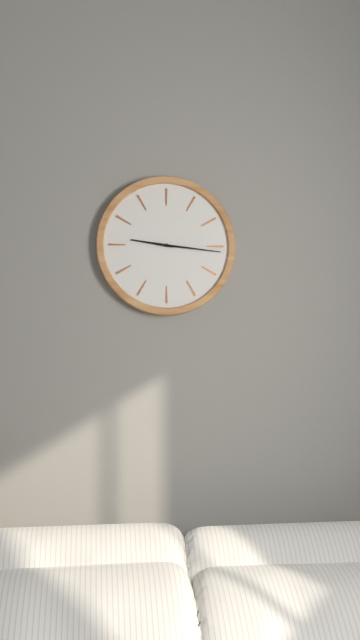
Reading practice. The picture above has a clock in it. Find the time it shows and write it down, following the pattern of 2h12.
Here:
9h16
